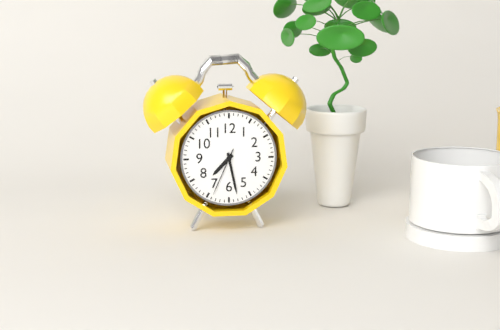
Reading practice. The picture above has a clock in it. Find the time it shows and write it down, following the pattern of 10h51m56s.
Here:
7h28m34s
